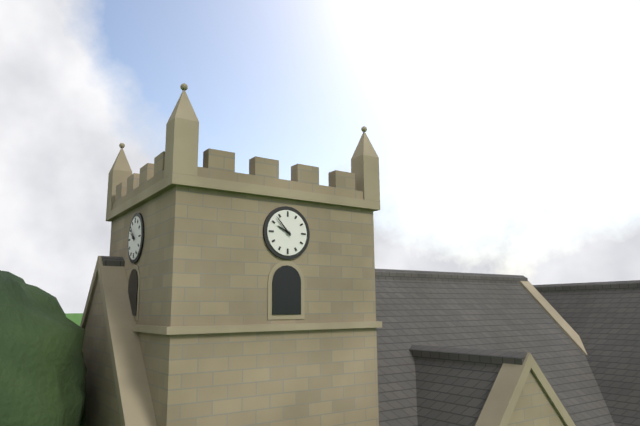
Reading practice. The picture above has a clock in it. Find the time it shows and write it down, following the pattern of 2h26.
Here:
9h53
